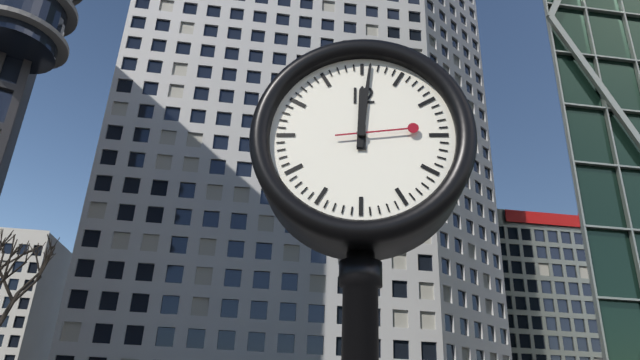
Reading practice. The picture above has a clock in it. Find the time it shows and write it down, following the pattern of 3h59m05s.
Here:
12h01m14s
